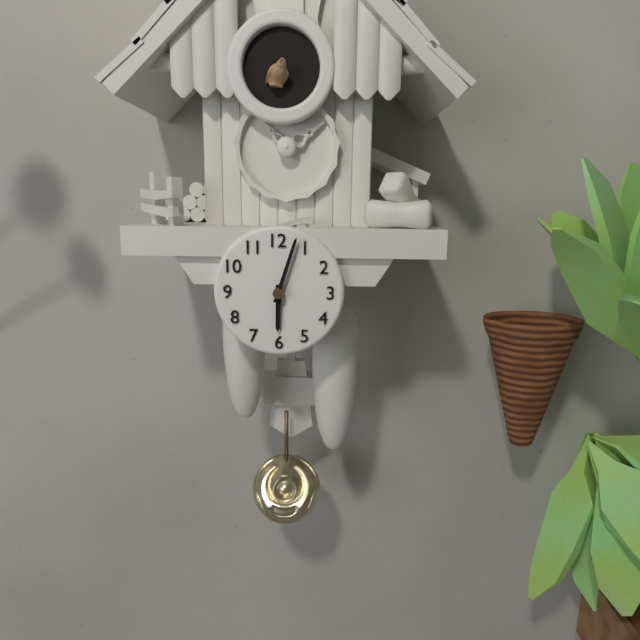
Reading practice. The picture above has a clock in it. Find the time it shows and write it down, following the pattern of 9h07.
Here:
6h03
